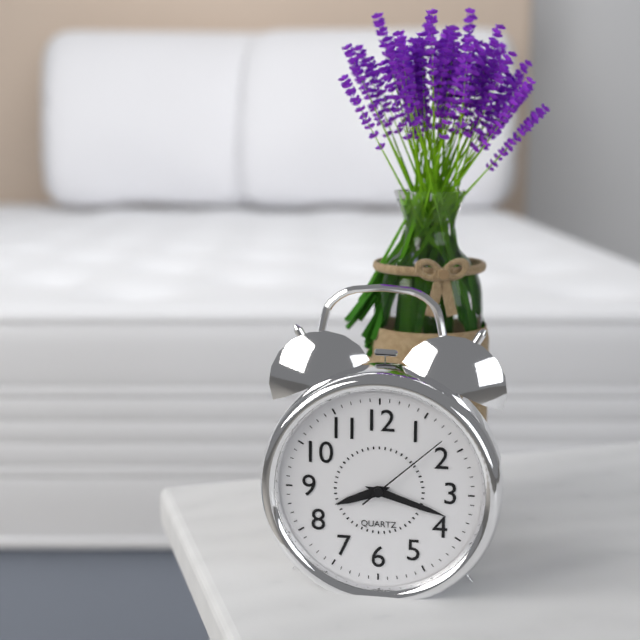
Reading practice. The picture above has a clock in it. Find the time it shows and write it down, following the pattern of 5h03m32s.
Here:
8h18m08s
